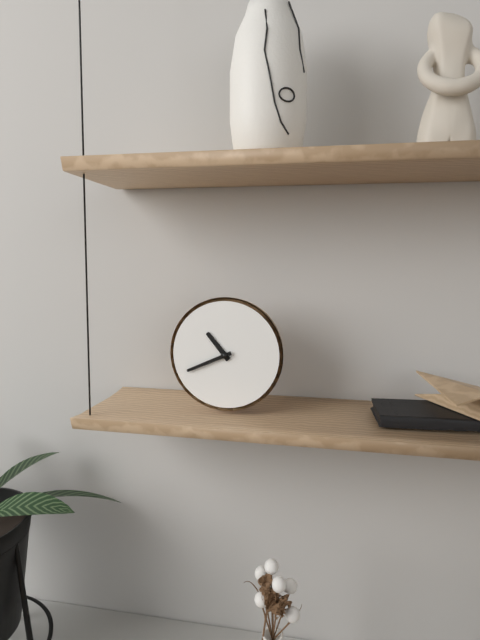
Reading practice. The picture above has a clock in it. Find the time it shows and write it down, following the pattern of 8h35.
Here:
10h41
